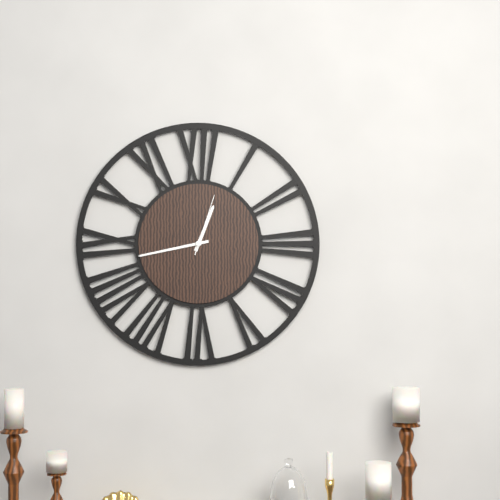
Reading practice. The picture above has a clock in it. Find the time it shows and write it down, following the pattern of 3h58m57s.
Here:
12h43m03s
